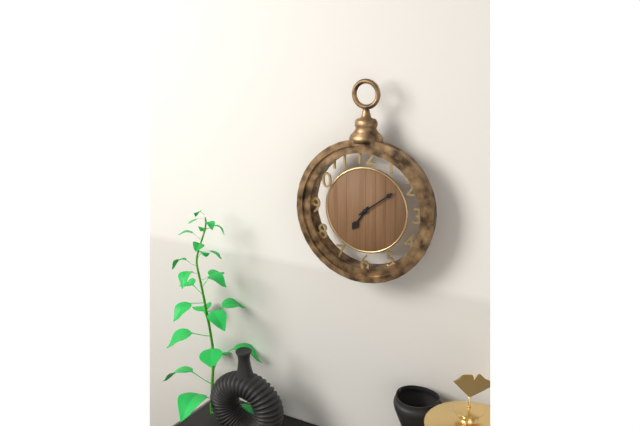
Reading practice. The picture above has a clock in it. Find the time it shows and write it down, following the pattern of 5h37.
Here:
7h09
